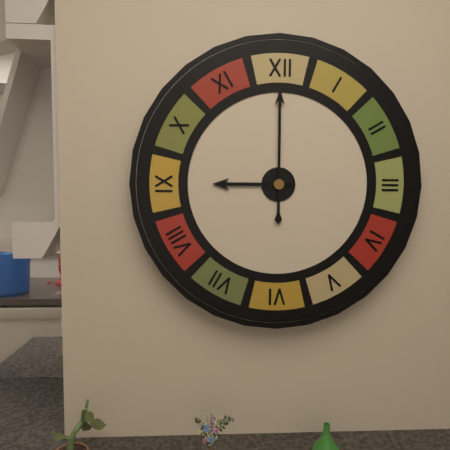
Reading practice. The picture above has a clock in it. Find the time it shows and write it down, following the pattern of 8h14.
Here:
9h00
